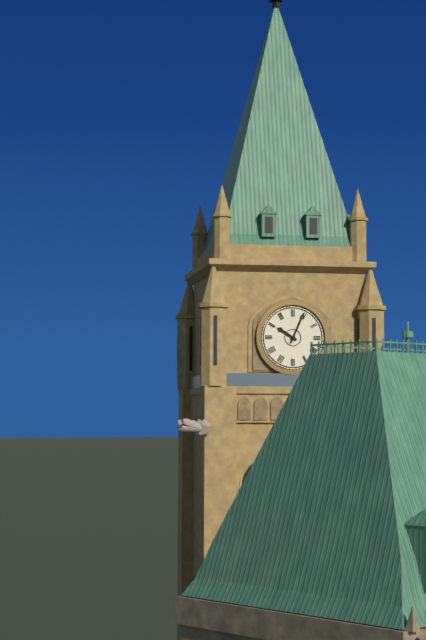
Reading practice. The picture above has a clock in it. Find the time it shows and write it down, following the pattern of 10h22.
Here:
10h04
